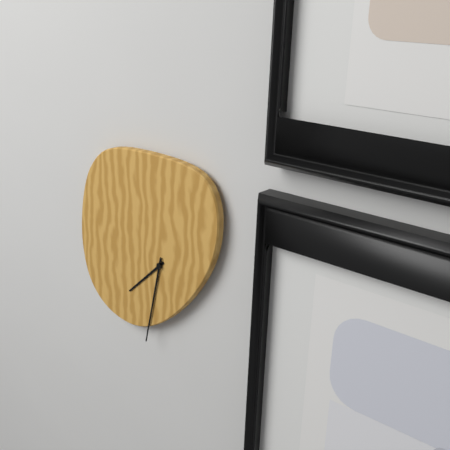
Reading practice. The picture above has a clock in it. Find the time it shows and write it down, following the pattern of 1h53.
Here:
7h32
